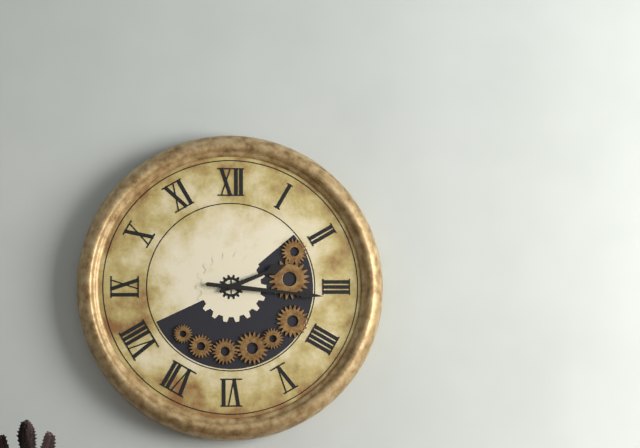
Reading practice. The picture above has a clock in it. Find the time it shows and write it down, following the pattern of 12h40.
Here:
2h16
